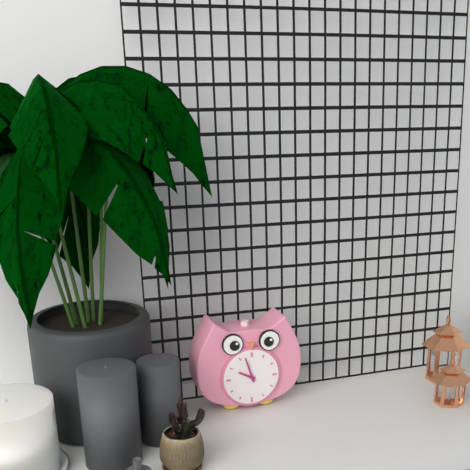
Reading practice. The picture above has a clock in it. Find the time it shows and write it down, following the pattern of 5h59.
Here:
9h57
